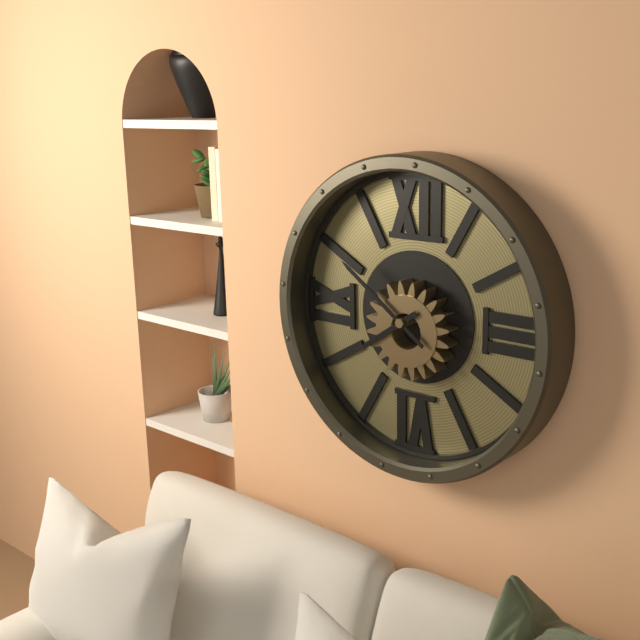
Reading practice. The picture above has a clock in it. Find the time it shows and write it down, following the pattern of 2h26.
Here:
7h51
